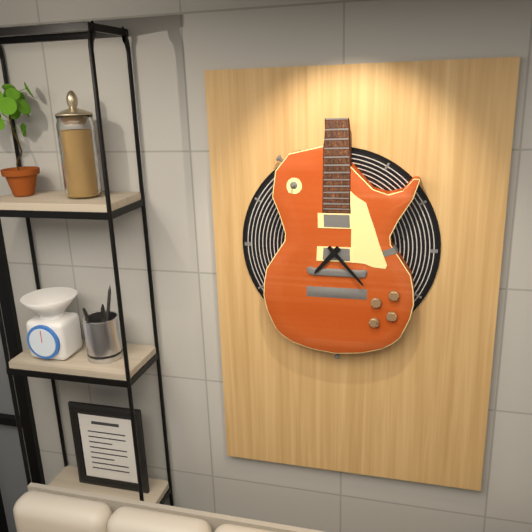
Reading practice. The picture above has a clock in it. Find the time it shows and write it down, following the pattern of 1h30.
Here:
7h23
